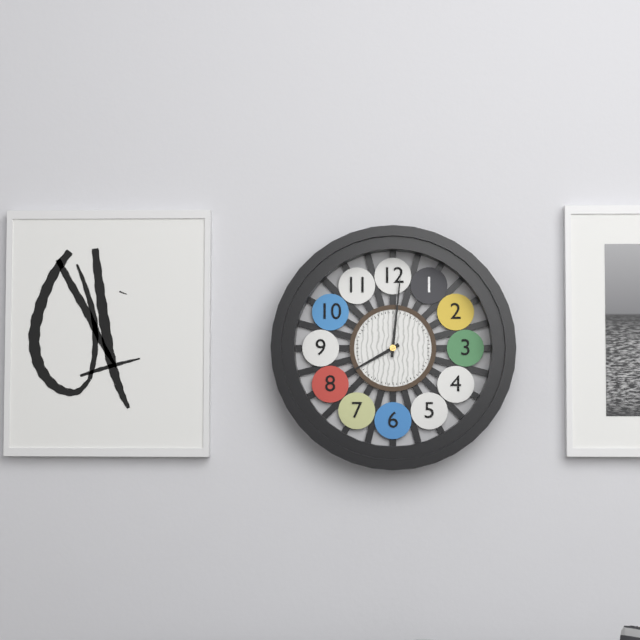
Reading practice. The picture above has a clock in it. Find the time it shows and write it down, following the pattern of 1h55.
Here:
8h01
